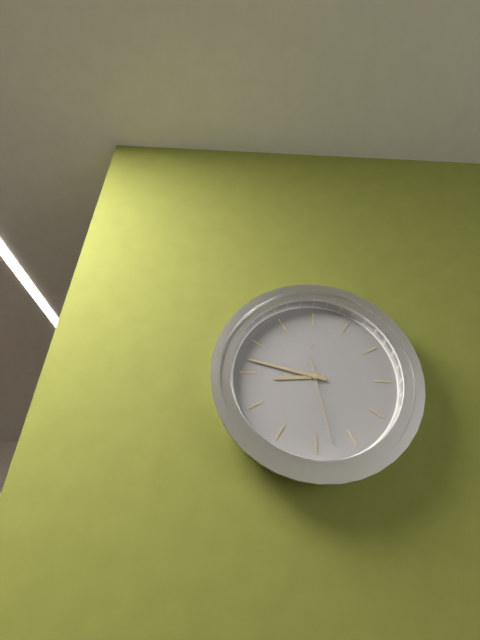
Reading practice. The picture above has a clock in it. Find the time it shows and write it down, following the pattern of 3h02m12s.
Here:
8h47m28s
